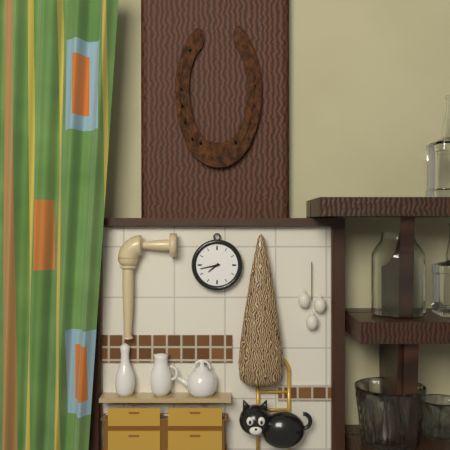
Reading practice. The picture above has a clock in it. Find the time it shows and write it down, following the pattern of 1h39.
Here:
7h43
